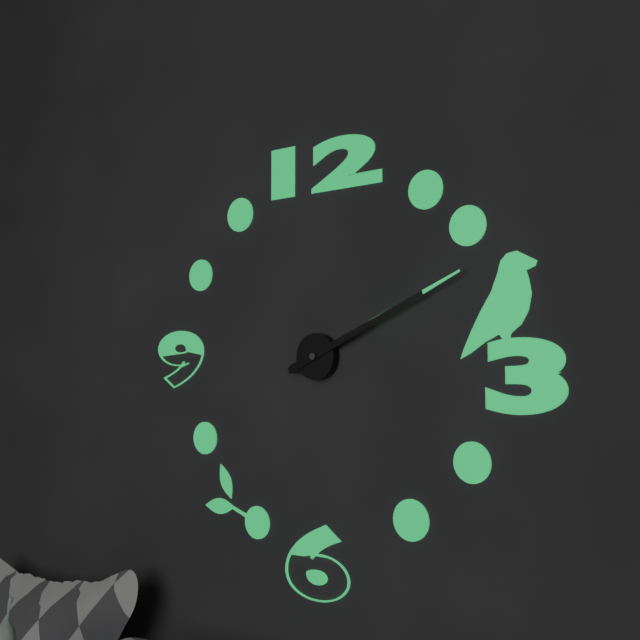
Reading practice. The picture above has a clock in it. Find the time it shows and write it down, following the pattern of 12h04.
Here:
2h11
